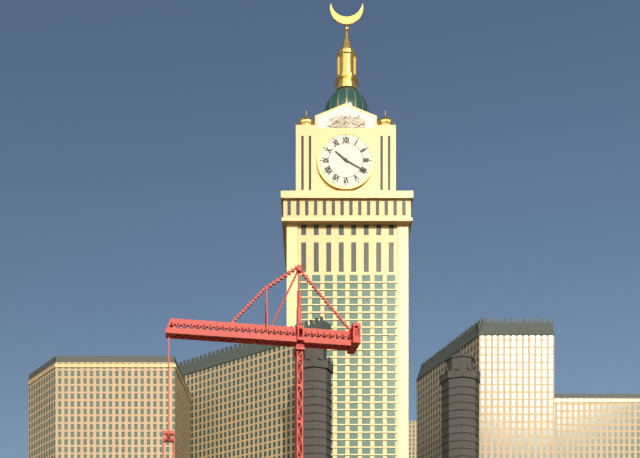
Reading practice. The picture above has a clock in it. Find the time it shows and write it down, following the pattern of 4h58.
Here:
10h20
